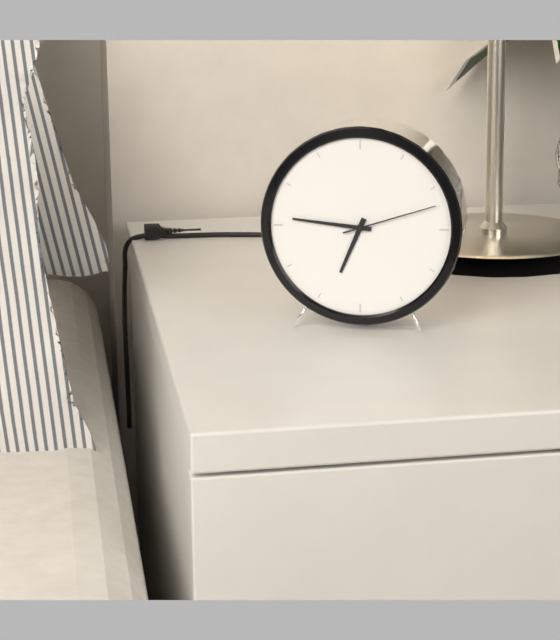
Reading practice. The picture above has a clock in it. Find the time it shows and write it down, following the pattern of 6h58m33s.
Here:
6h46m12s
